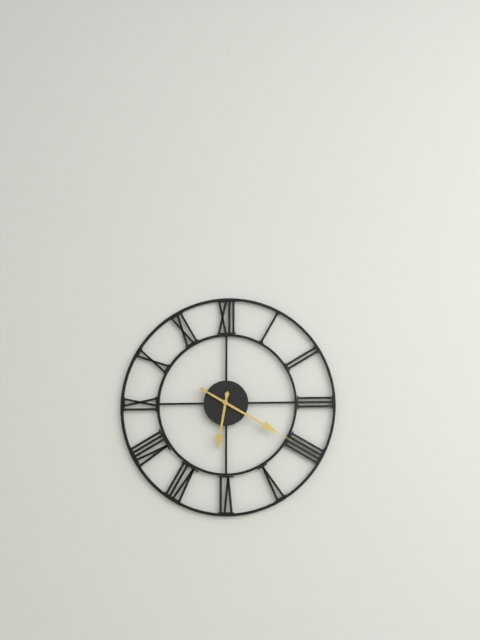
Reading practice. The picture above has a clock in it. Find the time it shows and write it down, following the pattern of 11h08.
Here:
6h20
